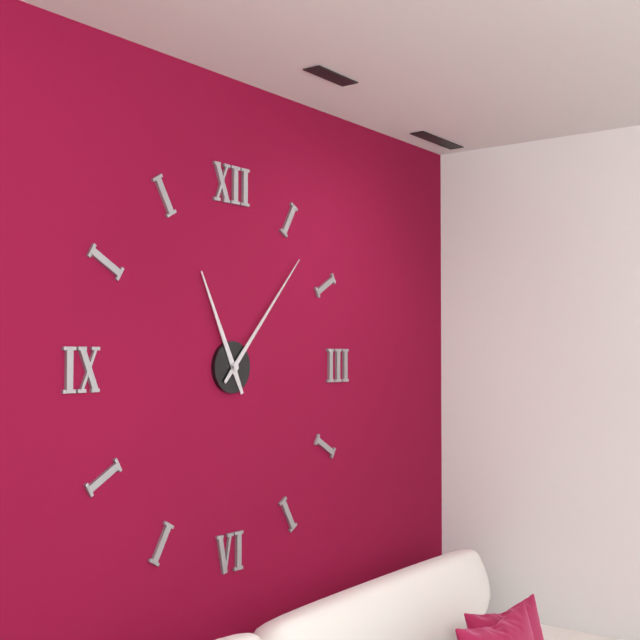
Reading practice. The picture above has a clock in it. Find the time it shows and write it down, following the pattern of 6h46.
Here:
11h07
